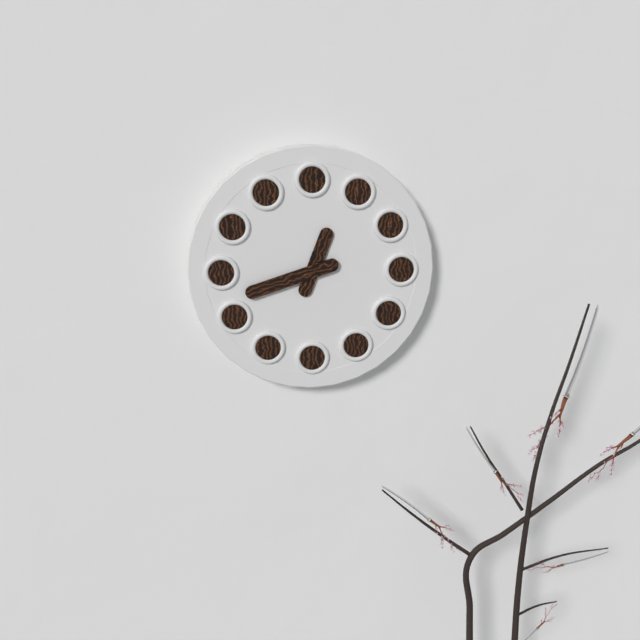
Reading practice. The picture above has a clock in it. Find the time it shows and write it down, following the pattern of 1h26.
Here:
12h42
